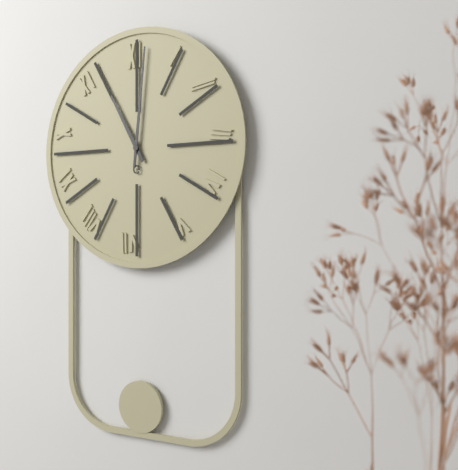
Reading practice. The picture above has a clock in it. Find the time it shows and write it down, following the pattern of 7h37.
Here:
11h01
